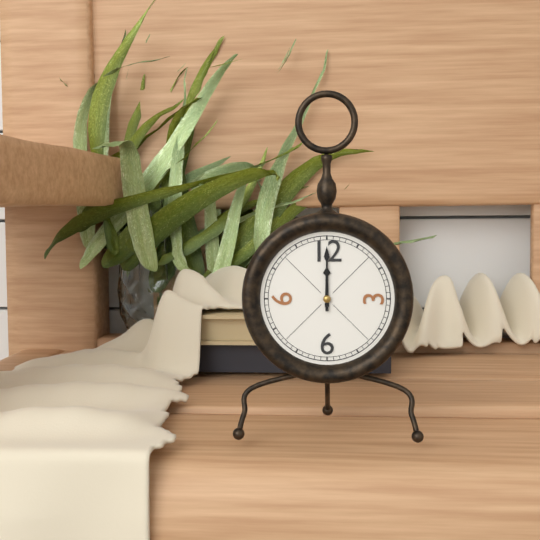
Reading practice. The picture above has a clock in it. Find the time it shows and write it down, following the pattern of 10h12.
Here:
12h00
